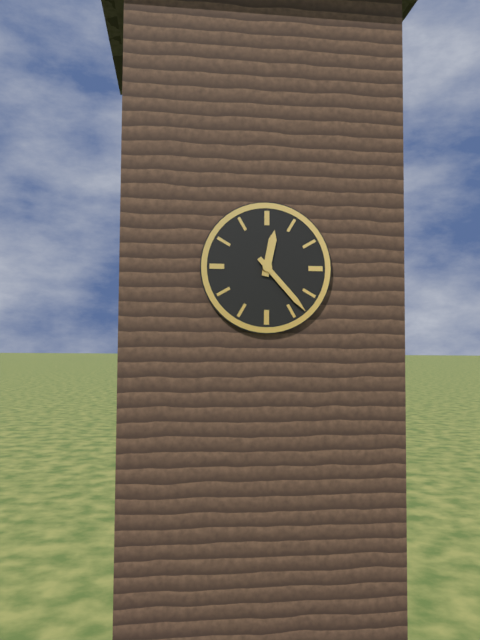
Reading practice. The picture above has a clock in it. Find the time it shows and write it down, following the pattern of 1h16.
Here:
12h23
